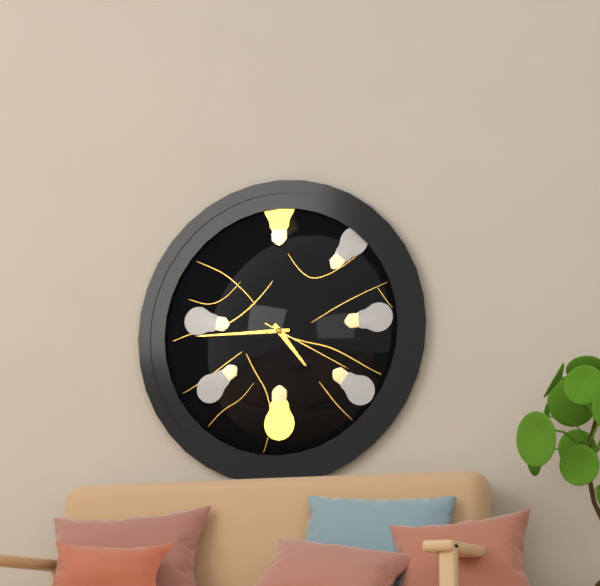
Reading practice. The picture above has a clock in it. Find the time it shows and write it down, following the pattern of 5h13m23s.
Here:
4h45m20s
